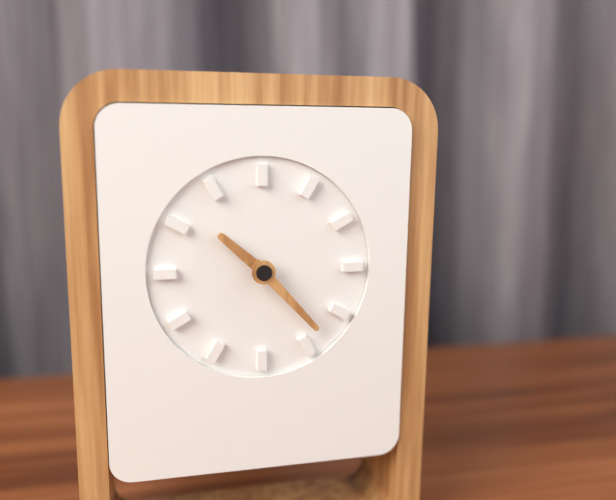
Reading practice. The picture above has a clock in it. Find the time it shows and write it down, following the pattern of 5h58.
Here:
10h23
